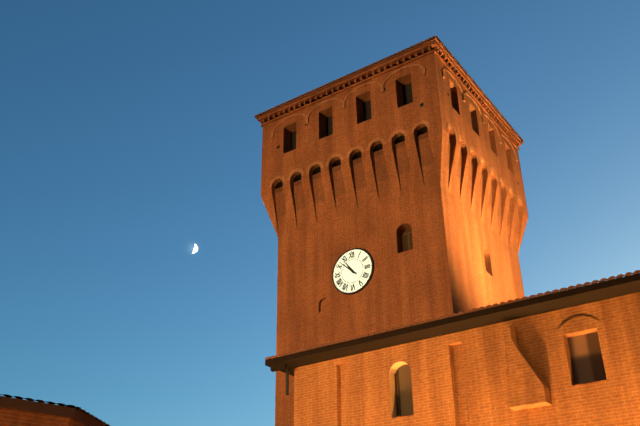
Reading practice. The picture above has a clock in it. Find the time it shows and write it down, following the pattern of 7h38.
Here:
10h52
